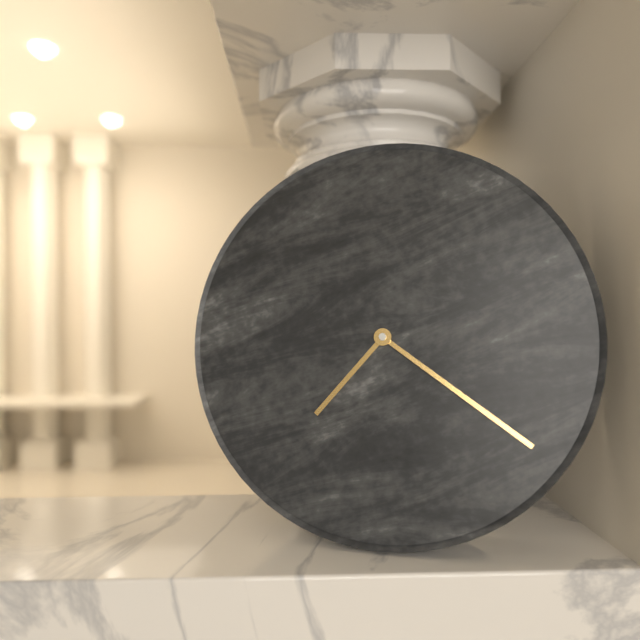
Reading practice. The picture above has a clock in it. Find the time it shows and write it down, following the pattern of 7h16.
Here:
7h21
